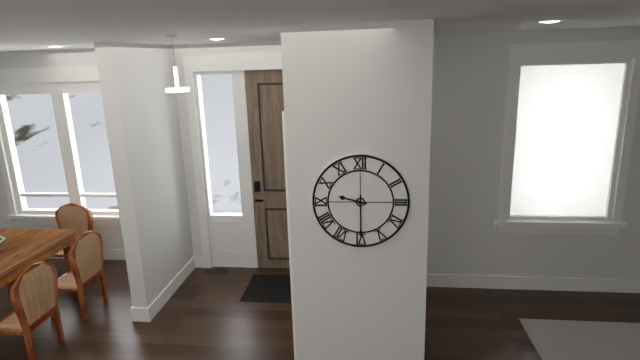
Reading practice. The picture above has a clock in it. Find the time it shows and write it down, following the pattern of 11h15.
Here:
9h30
